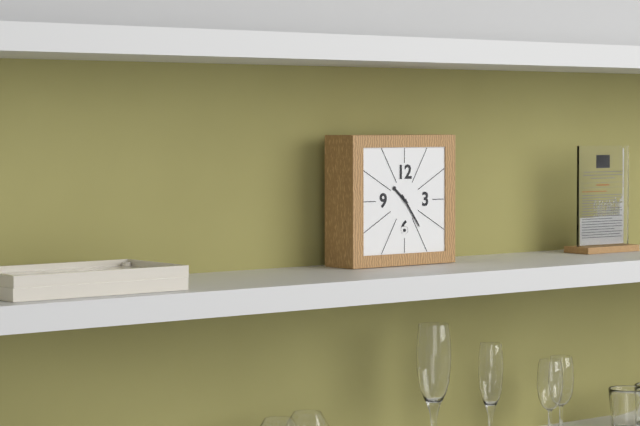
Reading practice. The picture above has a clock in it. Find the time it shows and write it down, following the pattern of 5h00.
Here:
10h24
